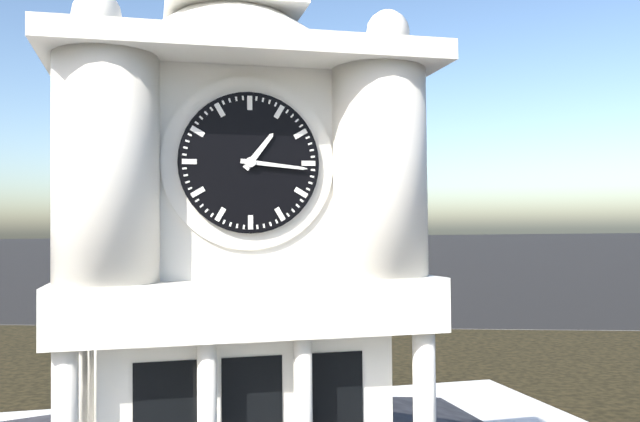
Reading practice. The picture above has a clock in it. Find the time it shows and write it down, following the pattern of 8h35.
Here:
1h16
